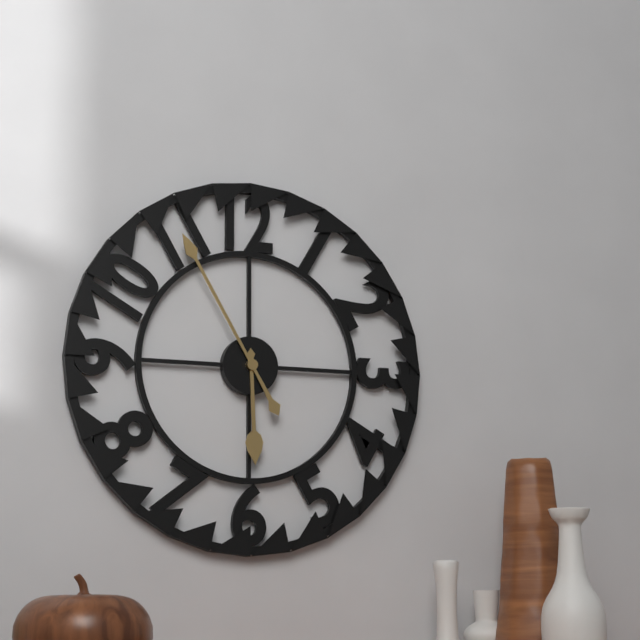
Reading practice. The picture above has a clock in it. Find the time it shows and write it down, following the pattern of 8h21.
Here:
5h55
